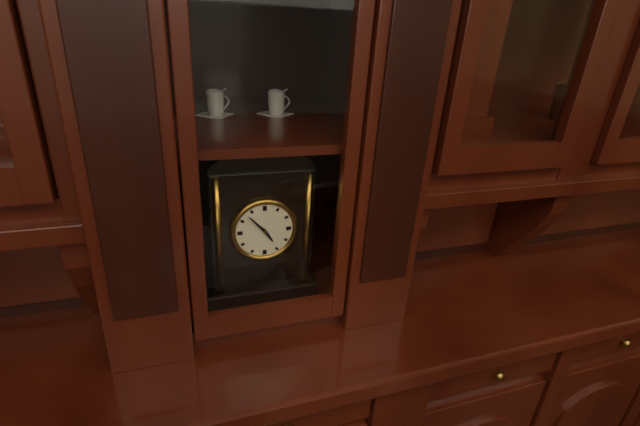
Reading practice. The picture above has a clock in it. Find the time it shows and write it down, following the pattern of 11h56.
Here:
4h53
